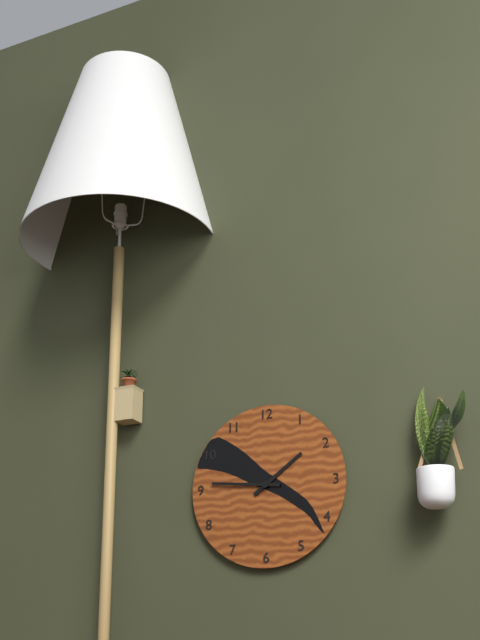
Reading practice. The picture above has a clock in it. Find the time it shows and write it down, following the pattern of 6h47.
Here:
1h46
